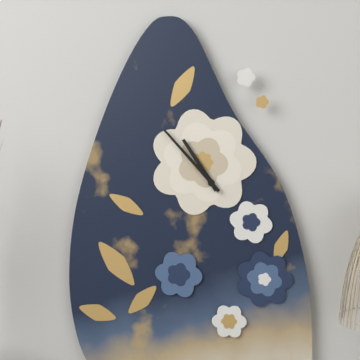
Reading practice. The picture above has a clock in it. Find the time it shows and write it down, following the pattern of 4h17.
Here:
10h53
